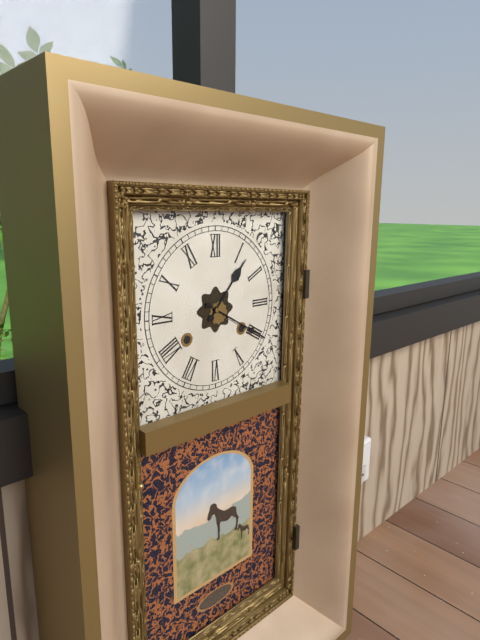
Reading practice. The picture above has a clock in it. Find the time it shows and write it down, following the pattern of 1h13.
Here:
1h20
